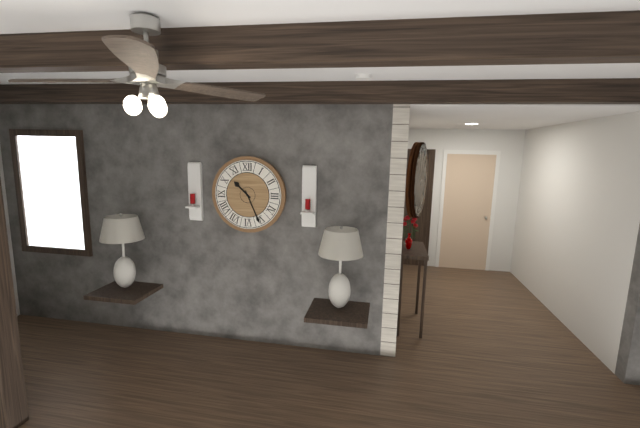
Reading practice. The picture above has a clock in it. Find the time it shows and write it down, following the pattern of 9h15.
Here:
10h26
